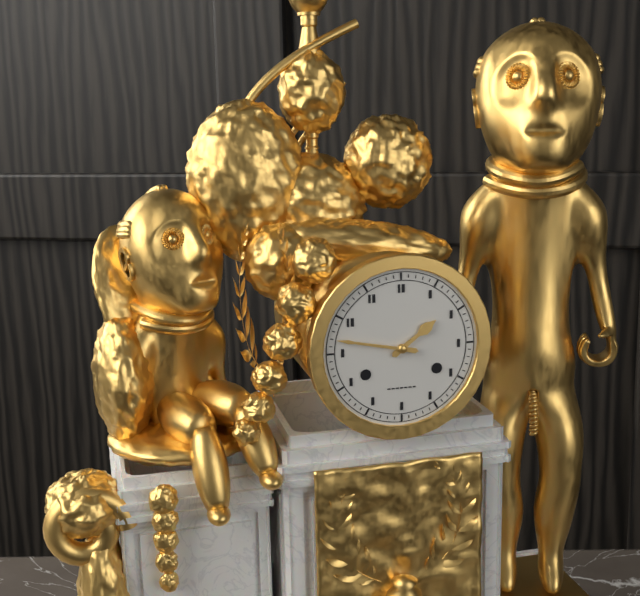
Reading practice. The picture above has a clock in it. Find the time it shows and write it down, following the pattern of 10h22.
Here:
1h47
